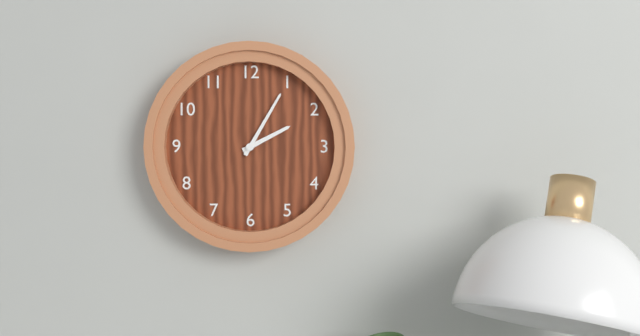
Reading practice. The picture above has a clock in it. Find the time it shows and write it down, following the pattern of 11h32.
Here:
2h05
